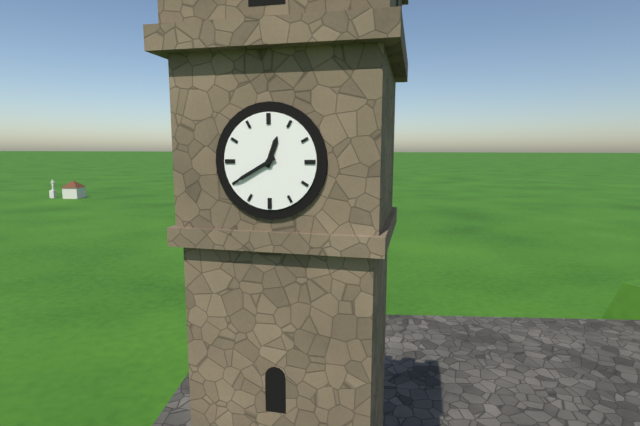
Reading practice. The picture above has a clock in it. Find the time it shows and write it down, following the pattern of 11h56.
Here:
12h40
